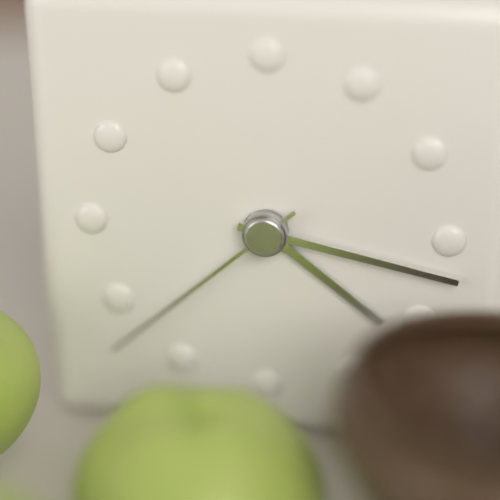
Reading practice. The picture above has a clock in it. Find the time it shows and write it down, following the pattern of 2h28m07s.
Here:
4h17m38s
